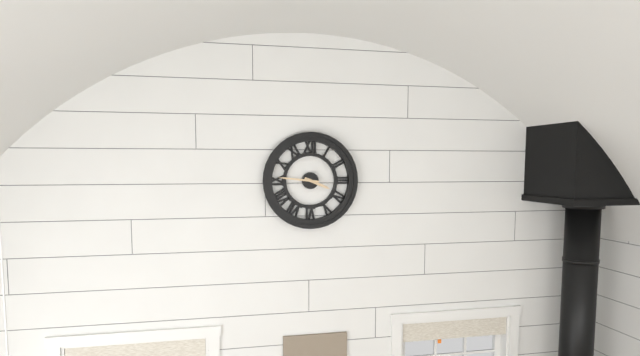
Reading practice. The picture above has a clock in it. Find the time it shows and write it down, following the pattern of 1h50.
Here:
3h46
